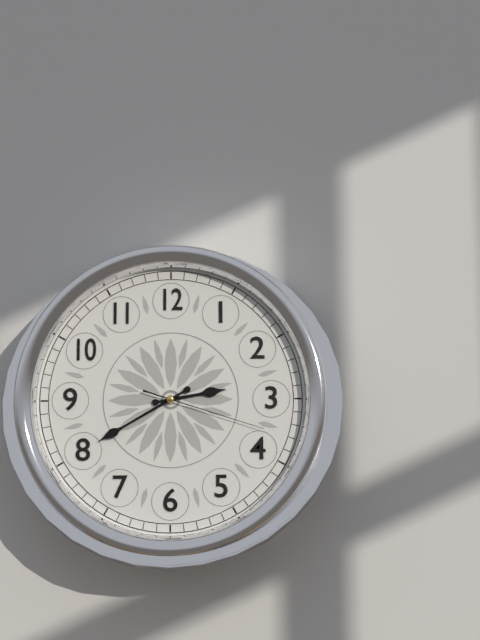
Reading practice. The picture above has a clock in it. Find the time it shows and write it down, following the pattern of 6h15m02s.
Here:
2h40m18s
